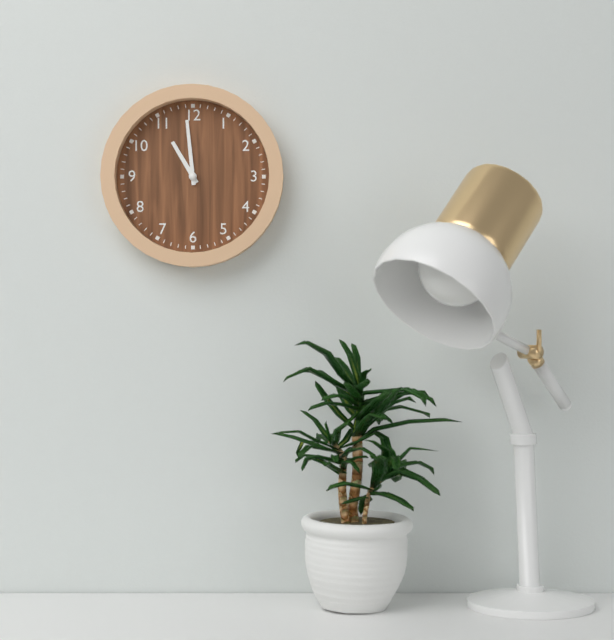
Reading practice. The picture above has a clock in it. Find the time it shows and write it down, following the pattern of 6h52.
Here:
10h59
